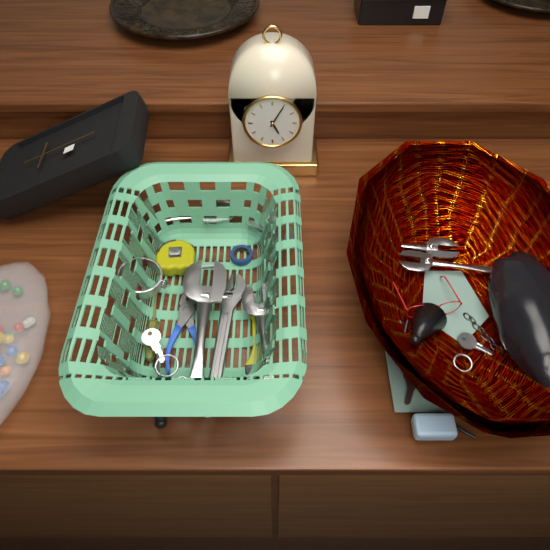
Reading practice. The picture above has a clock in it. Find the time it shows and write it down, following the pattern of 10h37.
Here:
5h05
